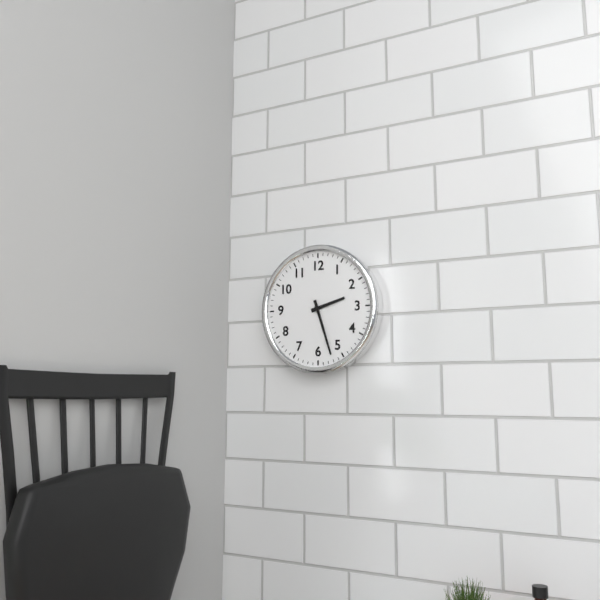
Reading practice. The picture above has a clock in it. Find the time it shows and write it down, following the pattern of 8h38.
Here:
2h27
